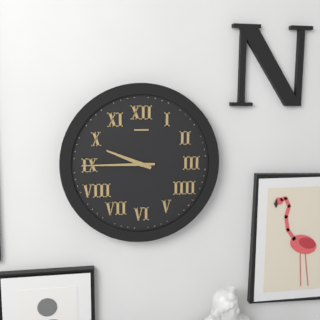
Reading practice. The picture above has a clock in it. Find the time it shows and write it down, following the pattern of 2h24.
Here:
9h45
